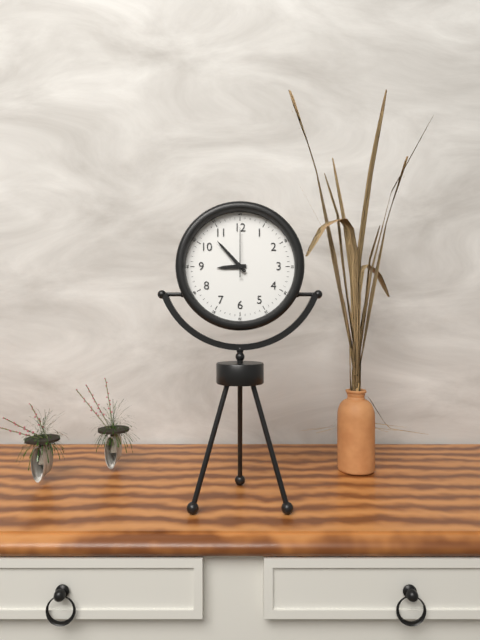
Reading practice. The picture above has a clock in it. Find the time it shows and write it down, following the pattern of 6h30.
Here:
8h53
